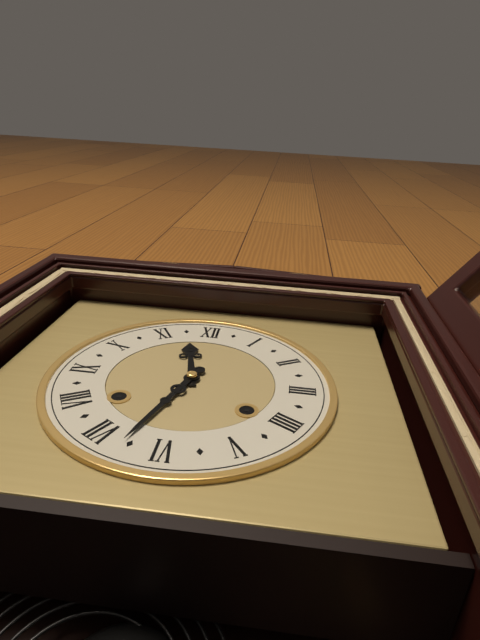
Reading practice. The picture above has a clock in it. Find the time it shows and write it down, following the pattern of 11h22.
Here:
11h33
